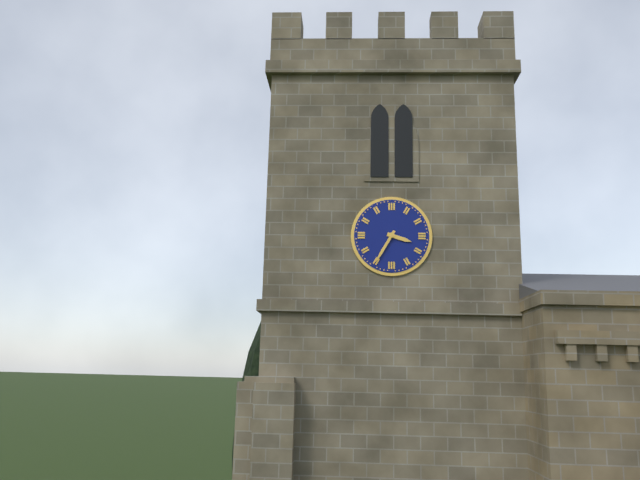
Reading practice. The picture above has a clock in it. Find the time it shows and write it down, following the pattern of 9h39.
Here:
3h35
